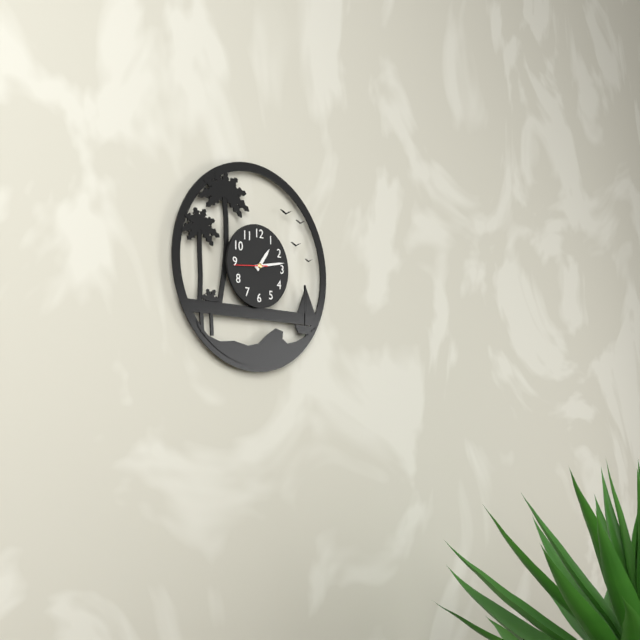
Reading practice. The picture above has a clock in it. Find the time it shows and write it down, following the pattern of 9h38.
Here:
1h13
